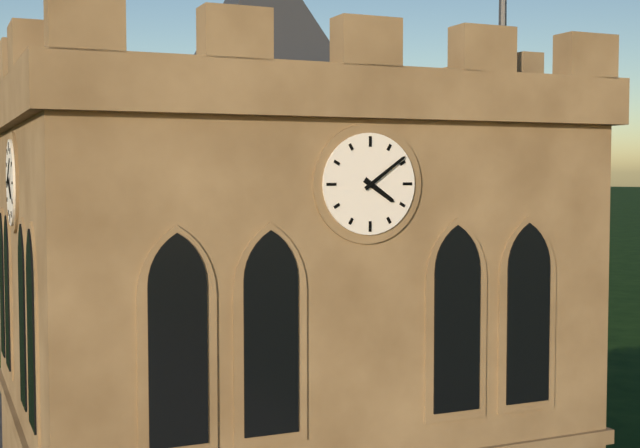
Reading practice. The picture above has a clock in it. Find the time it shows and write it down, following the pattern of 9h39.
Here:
4h09
